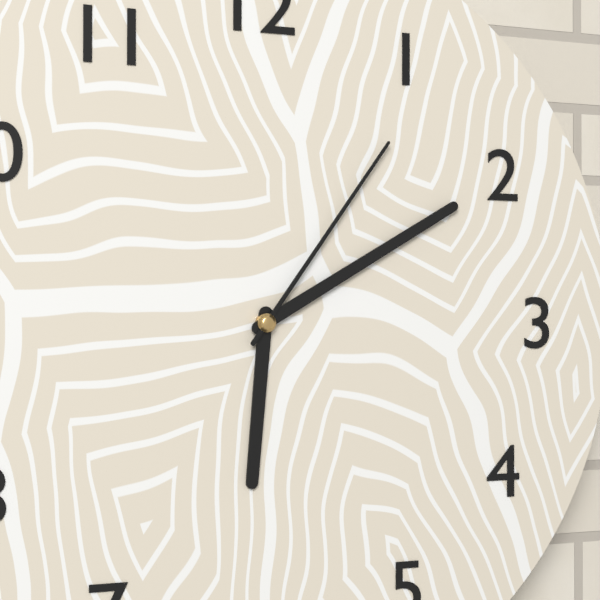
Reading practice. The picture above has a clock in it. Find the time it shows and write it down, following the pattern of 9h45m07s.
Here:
6h10m06s
